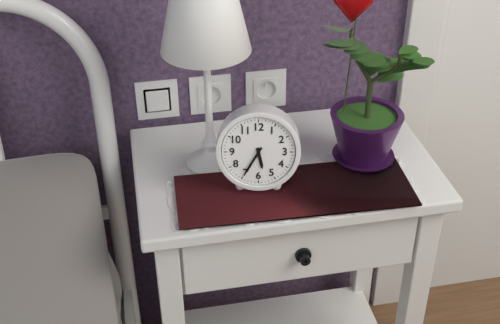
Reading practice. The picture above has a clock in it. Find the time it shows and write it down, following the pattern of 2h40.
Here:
5h35
